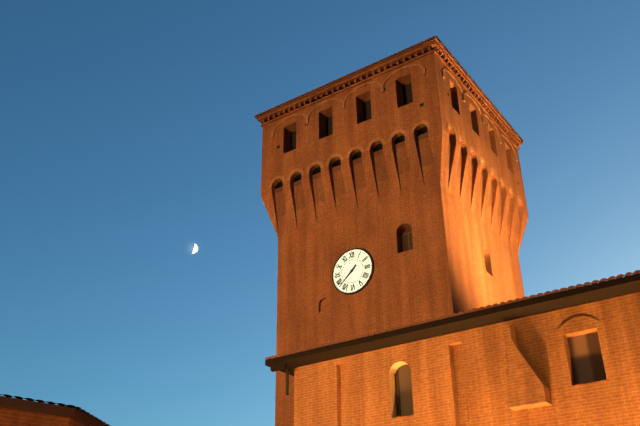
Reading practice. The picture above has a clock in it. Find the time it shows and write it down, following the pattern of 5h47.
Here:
7h38
